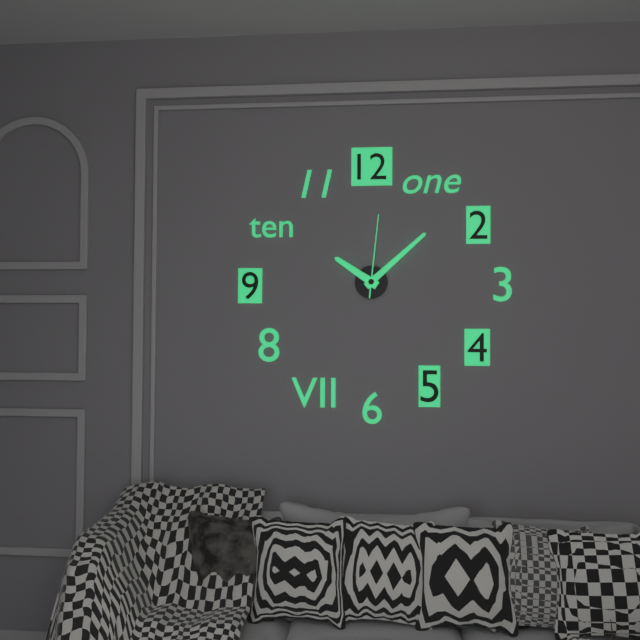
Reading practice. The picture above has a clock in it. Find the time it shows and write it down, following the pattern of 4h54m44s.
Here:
10h08m01s
